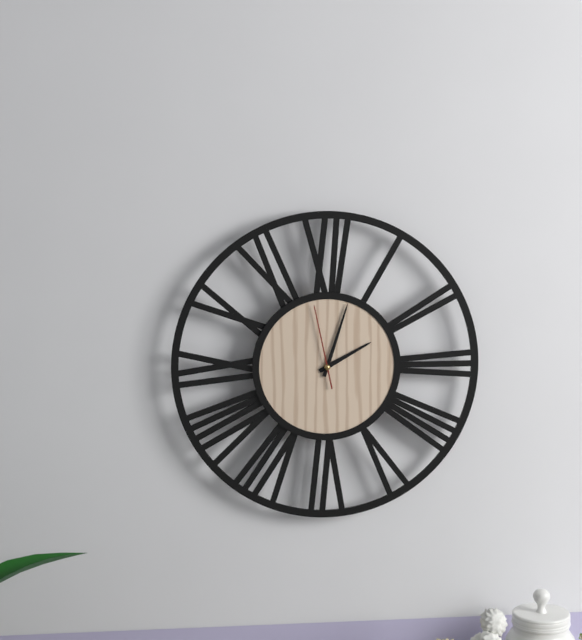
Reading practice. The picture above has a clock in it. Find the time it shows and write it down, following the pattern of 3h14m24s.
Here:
2h03m58s
